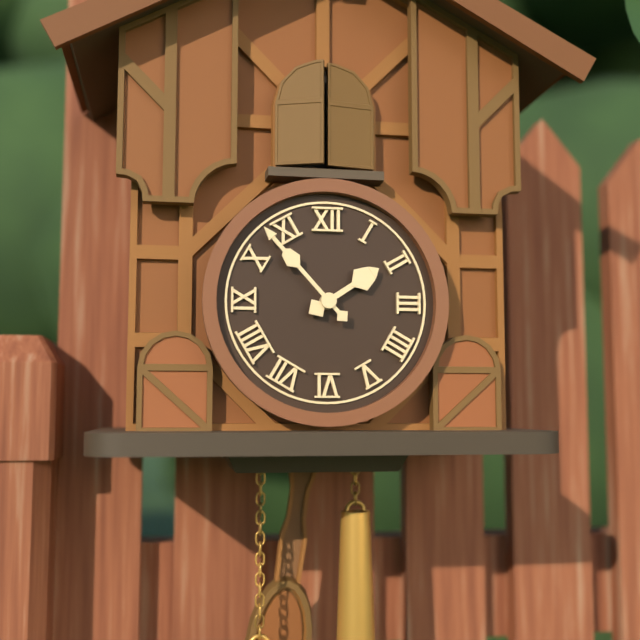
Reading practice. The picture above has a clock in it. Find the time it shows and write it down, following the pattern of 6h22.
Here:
1h53
